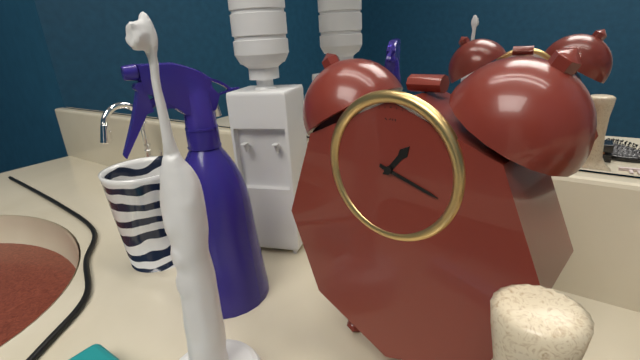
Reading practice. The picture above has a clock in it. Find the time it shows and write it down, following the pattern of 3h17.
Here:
1h18
